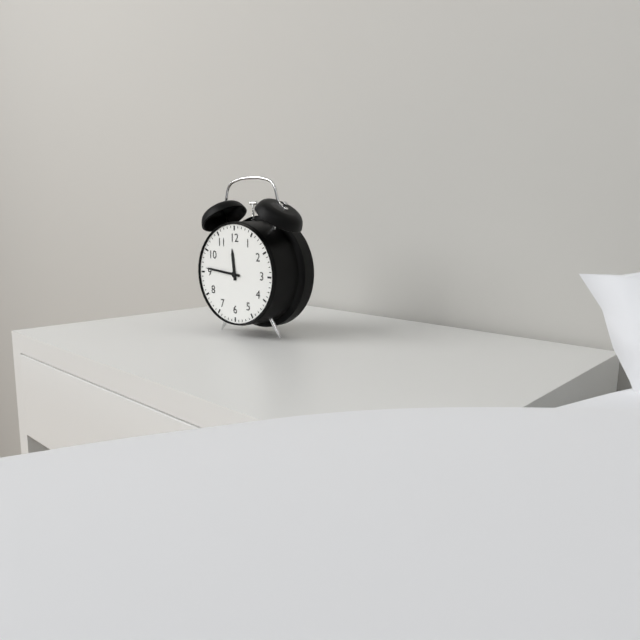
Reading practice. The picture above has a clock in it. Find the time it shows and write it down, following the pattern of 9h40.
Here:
11h46
